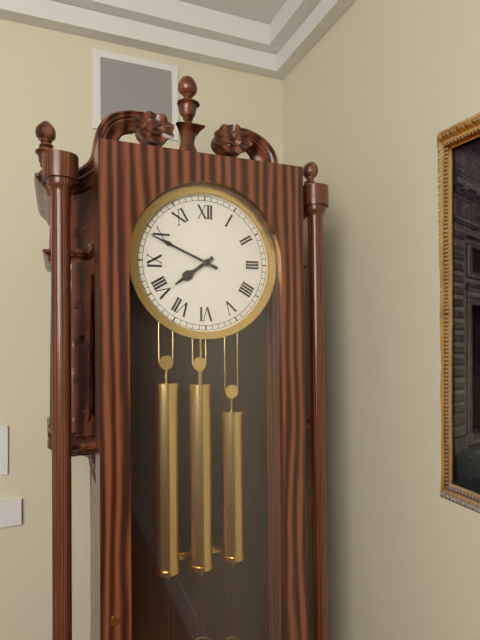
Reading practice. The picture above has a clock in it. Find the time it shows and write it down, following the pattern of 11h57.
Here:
7h49
